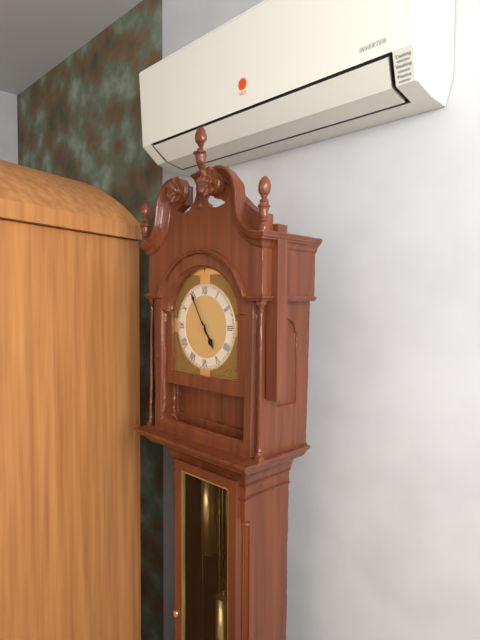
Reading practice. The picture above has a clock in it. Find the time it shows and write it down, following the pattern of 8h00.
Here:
4h55
